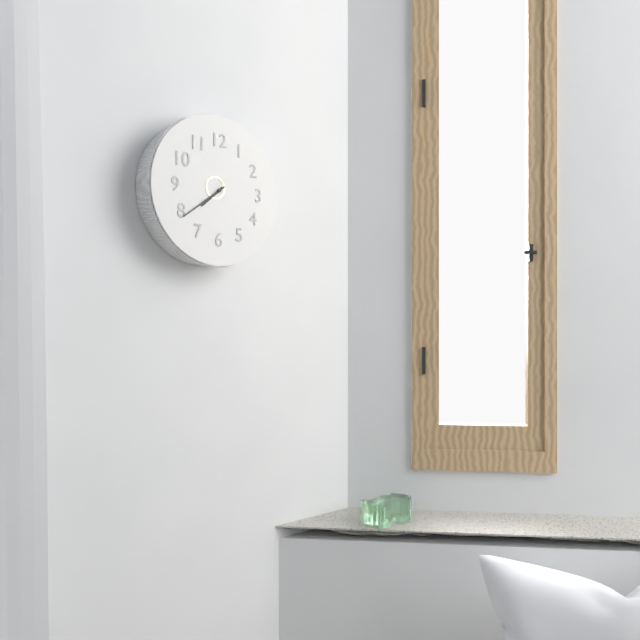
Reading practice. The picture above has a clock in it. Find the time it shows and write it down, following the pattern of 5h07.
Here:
7h39
